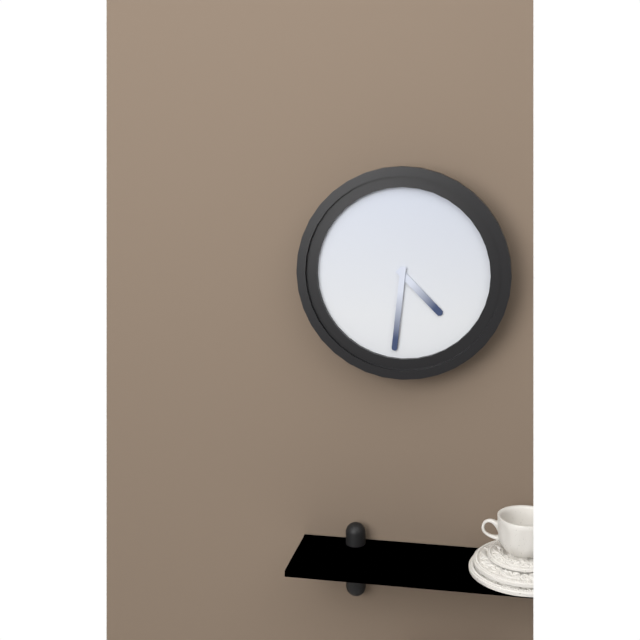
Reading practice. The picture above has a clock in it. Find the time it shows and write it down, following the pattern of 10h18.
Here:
4h31
